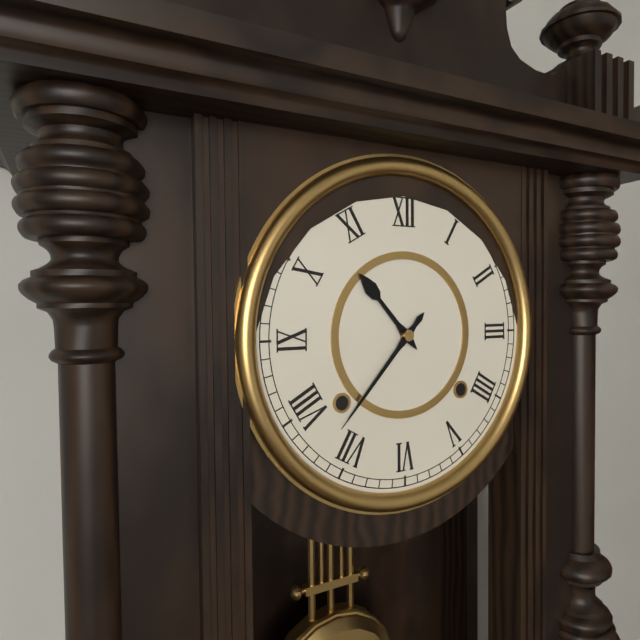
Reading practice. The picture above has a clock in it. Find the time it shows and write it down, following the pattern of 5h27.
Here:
10h37
